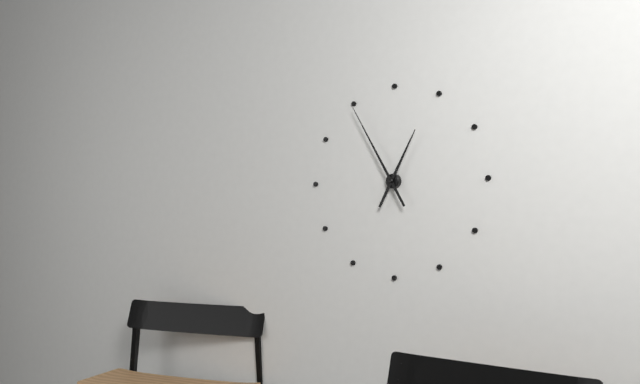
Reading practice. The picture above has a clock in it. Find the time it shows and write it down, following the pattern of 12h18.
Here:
12h55
